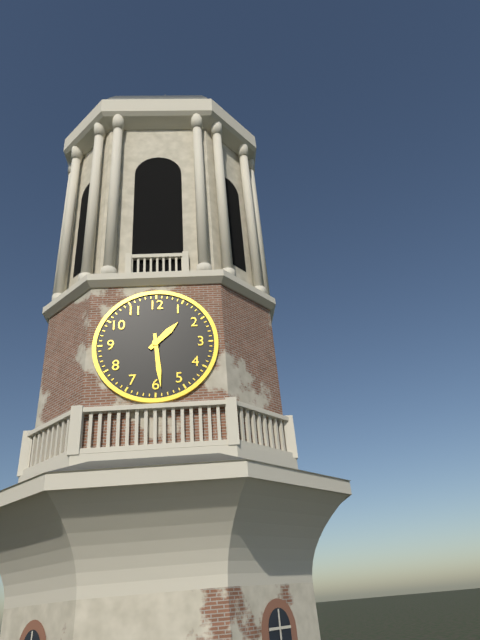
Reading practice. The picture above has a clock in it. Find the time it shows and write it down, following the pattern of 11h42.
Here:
1h29
